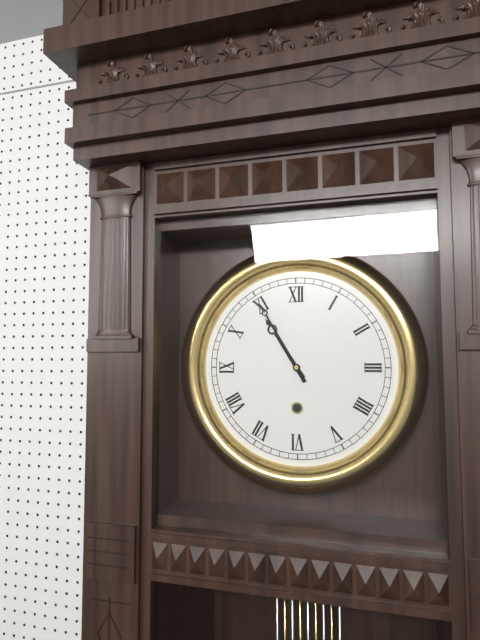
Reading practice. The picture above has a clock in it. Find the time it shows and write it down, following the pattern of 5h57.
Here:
10h55
